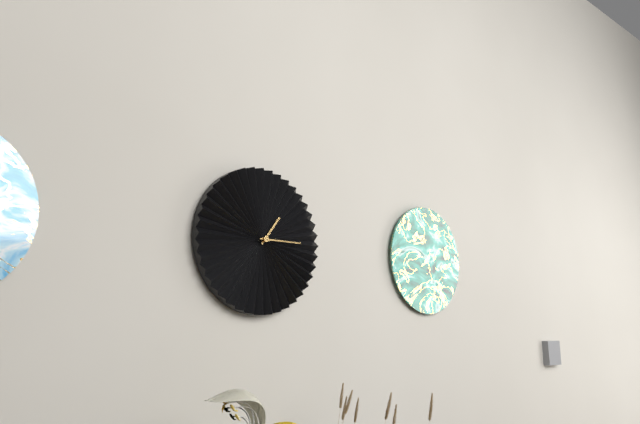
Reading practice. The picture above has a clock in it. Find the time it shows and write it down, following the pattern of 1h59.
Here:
1h15
